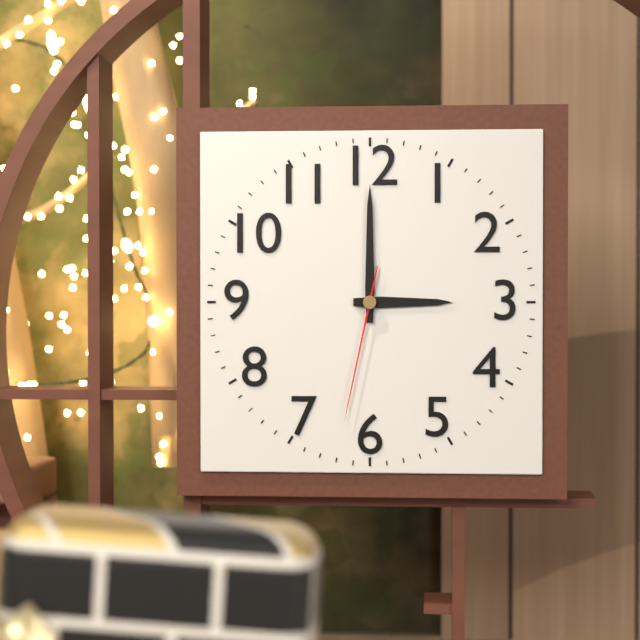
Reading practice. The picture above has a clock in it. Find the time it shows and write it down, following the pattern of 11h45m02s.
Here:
3h00m32s
